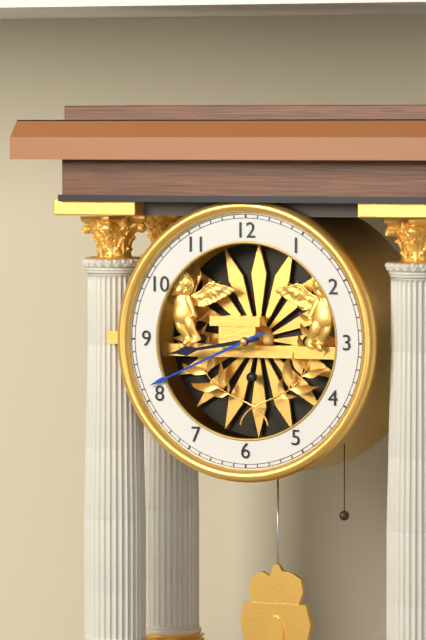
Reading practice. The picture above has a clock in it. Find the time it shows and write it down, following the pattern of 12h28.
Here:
8h41
